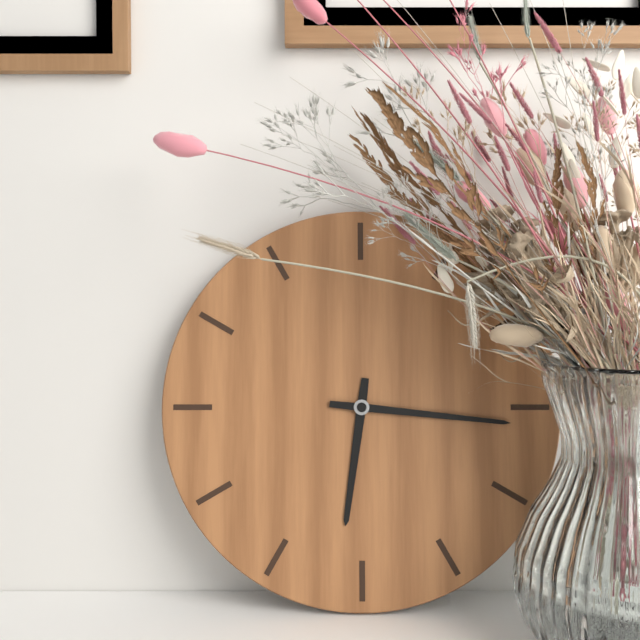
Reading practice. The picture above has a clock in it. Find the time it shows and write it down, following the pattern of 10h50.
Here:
6h16
